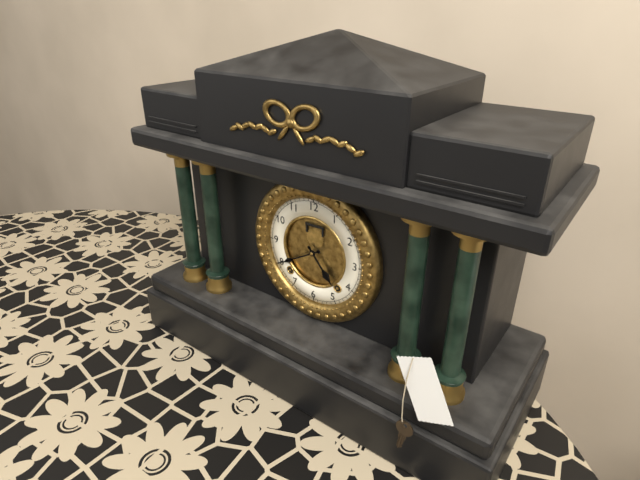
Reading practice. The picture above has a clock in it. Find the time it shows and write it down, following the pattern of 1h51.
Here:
4h40
